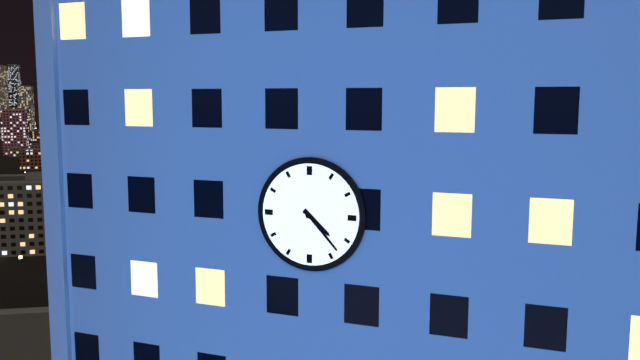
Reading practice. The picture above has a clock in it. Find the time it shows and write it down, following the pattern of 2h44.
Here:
4h23
